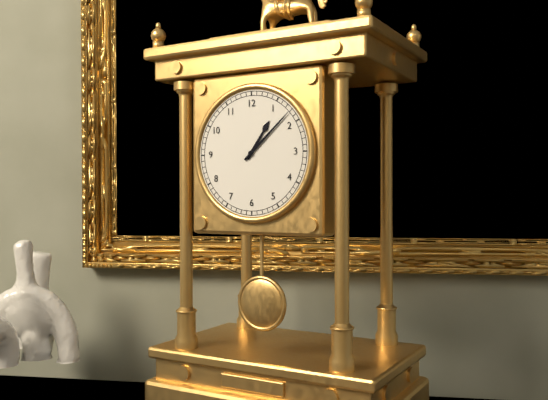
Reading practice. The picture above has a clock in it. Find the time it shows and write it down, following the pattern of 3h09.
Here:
1h08
